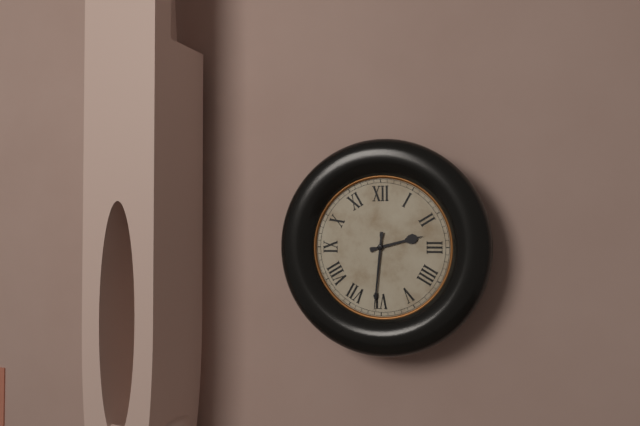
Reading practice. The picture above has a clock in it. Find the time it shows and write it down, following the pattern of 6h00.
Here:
2h31
